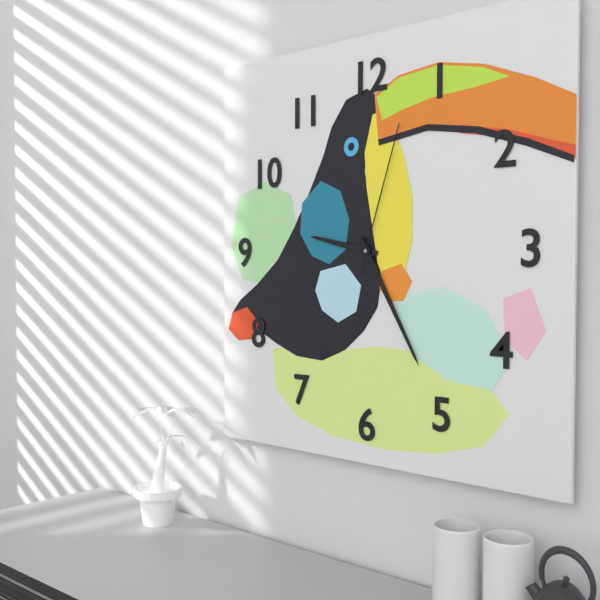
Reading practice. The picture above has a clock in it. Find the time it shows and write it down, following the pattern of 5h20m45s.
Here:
9h25m03s
